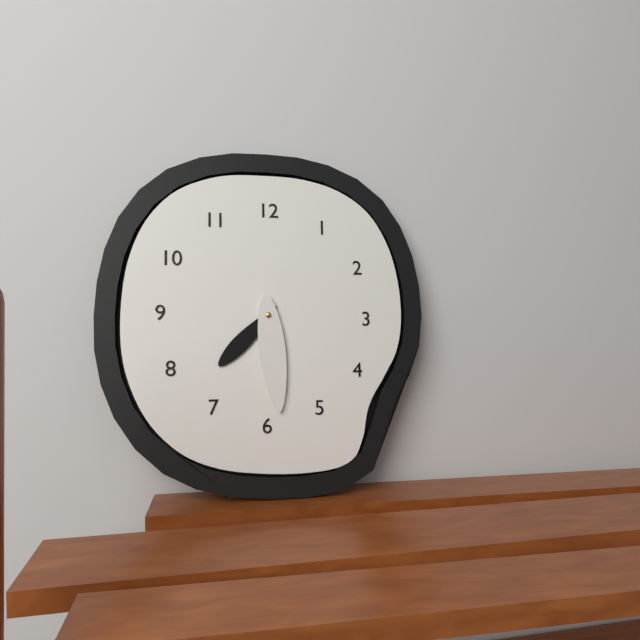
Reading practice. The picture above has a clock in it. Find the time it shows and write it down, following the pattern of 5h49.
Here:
7h29
